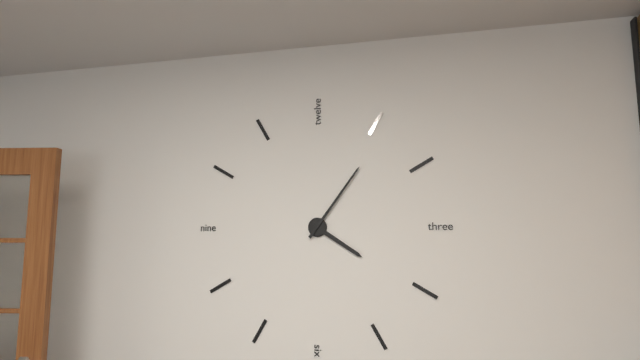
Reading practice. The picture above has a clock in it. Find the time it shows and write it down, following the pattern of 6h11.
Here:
4h06
